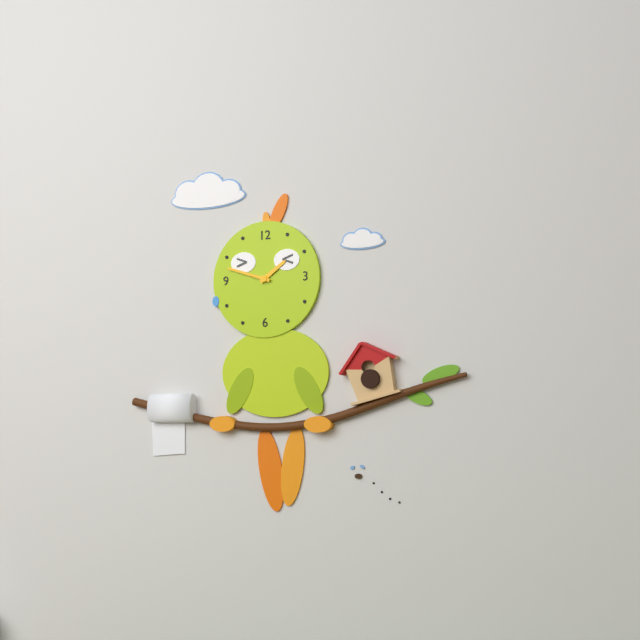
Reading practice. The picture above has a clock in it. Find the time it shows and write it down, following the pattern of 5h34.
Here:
1h48
